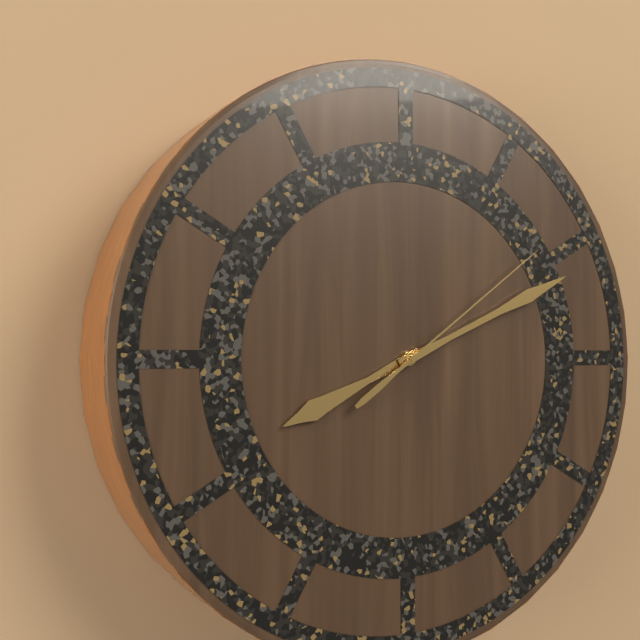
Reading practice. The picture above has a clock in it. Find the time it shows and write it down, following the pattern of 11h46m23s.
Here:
8h11m09s
